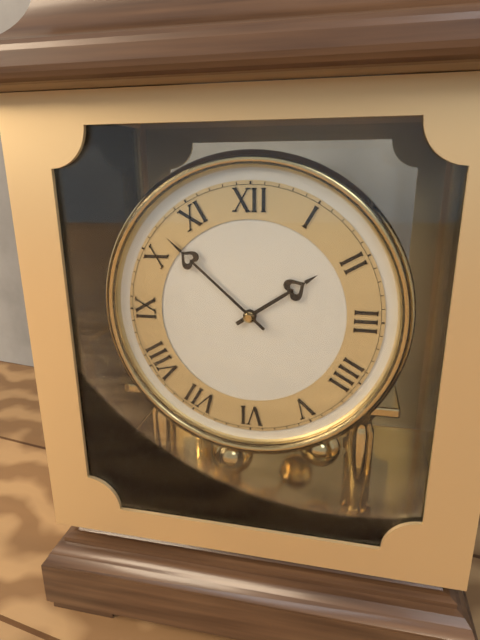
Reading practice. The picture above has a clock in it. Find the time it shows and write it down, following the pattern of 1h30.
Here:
1h52
